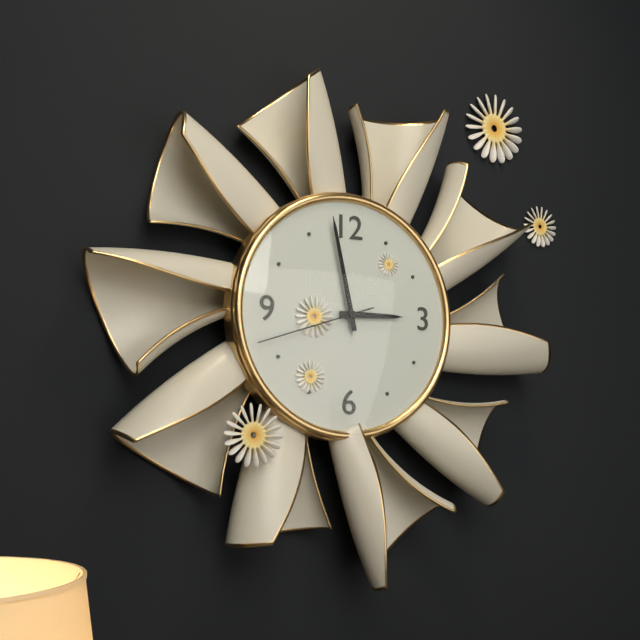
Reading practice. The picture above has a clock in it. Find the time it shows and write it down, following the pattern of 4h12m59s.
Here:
2h58m42s
